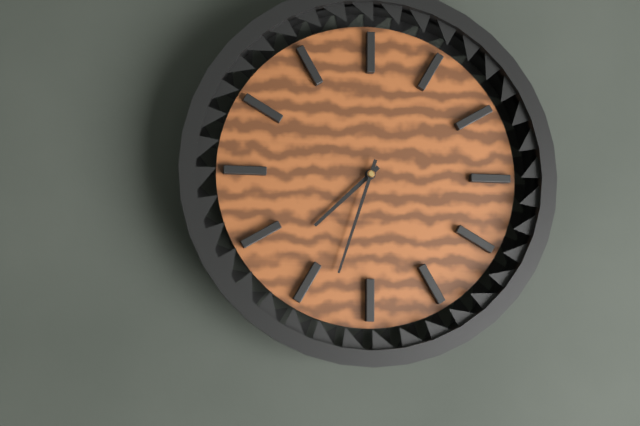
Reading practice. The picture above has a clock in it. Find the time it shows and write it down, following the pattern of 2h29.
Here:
7h33
